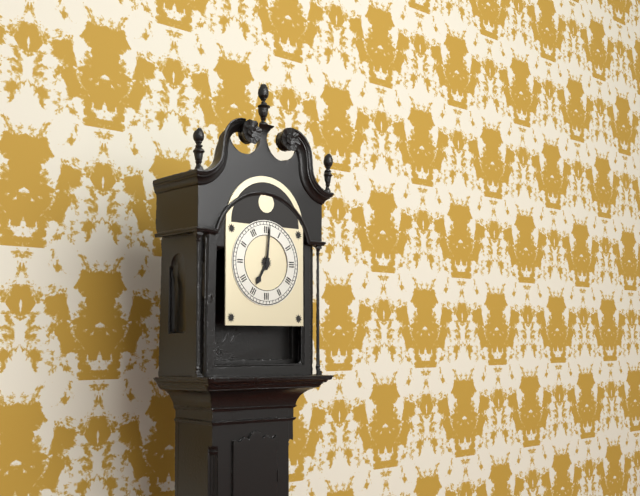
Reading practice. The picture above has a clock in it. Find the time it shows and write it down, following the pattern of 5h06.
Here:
7h01
